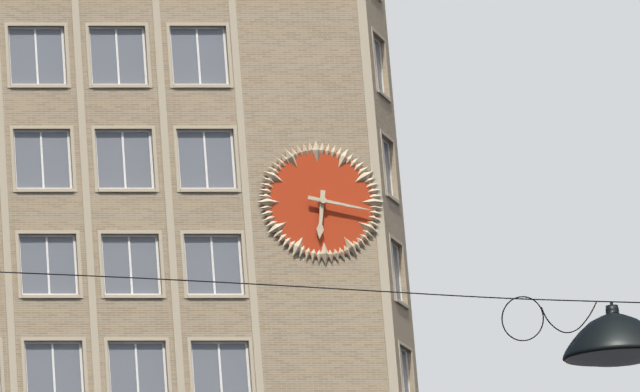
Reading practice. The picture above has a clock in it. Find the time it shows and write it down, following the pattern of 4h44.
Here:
6h17
